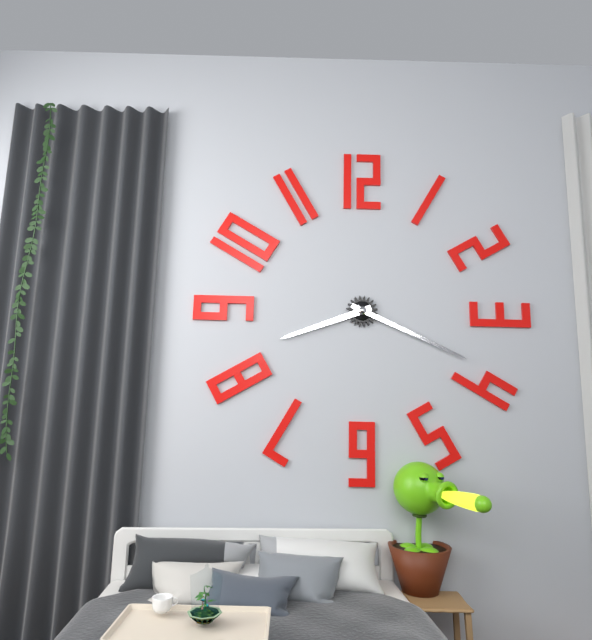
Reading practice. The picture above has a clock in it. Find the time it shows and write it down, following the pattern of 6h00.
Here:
8h19
